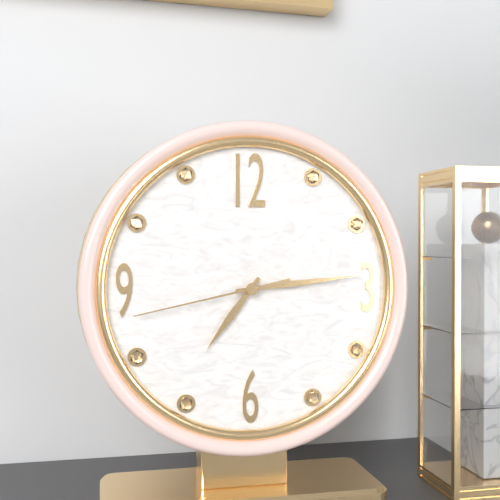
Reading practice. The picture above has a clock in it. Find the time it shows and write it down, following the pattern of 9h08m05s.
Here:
7h14m43s
